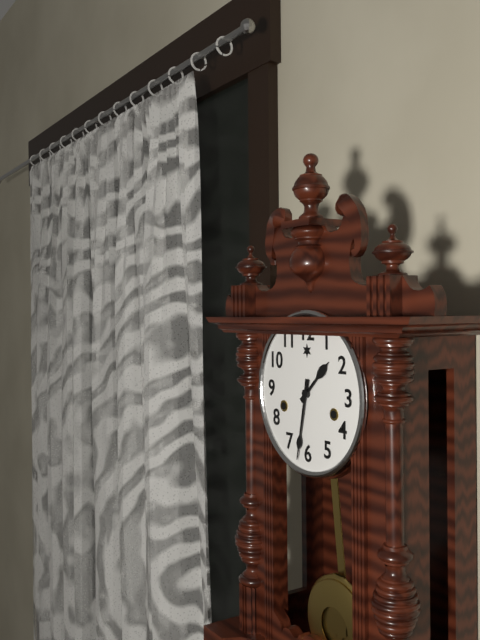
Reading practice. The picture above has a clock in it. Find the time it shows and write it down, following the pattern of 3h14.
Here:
1h32
